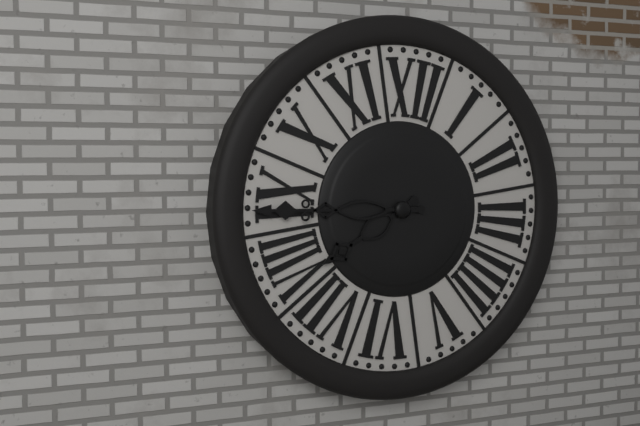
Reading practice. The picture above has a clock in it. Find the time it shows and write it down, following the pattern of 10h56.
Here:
7h44
